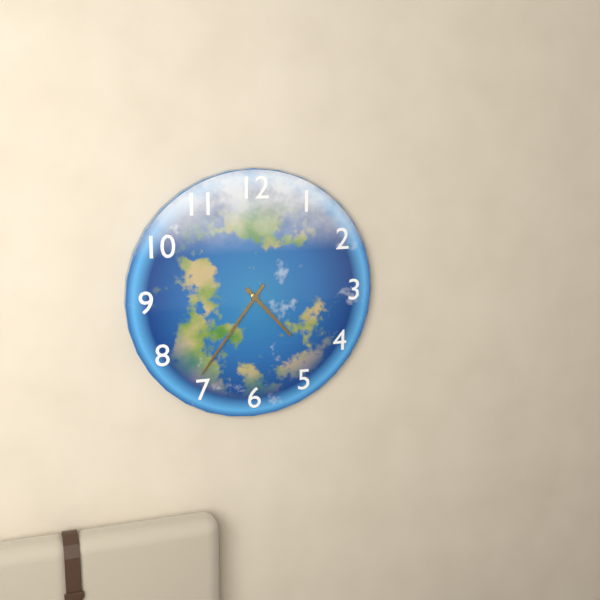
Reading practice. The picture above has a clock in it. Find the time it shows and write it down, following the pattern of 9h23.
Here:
4h36
